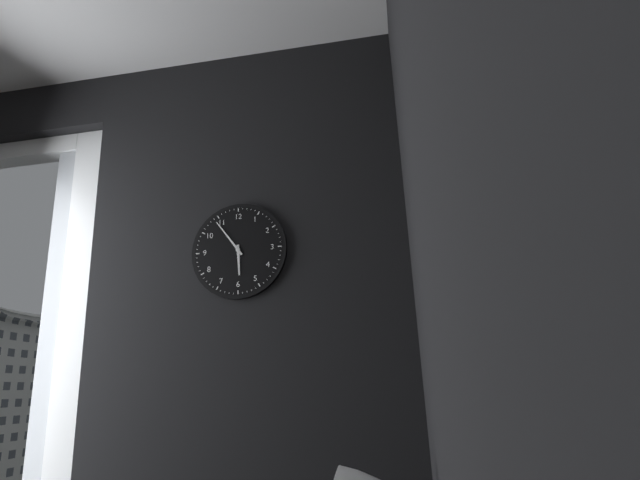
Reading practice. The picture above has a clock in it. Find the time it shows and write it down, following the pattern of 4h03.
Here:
5h54
